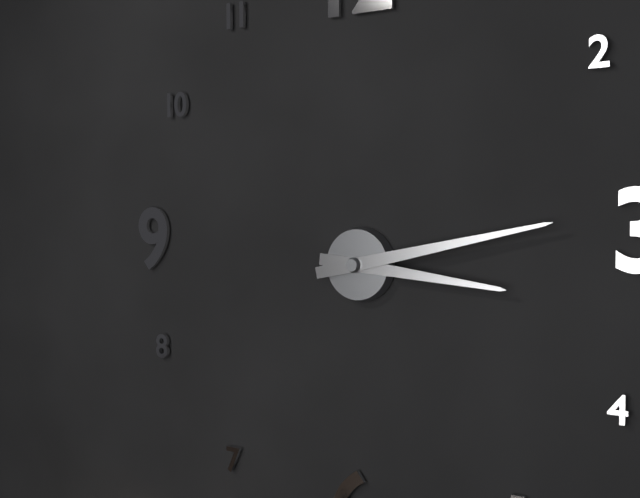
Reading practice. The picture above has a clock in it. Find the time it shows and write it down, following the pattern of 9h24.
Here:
3h13
